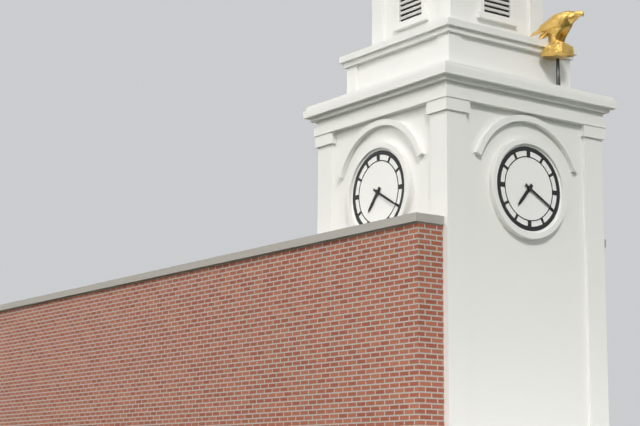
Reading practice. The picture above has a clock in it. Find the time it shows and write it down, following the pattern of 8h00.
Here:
7h20
